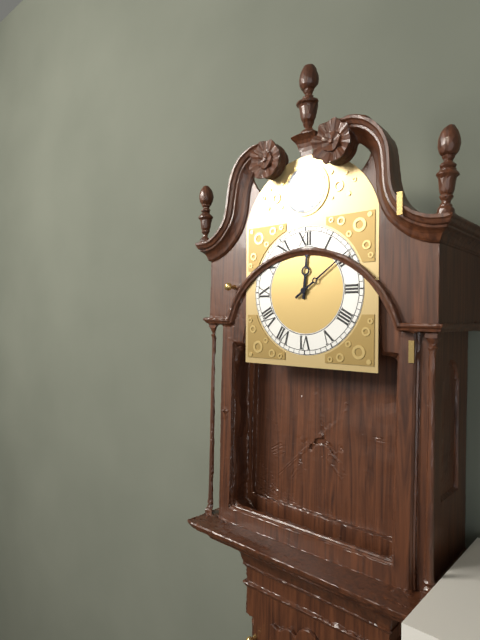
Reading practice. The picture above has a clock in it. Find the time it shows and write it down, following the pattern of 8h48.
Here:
12h09
